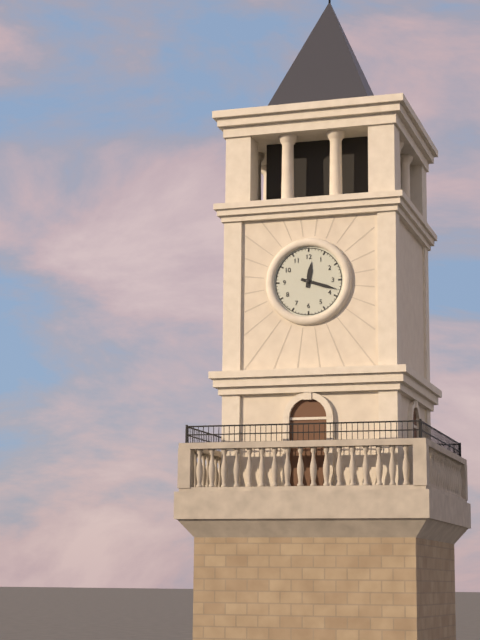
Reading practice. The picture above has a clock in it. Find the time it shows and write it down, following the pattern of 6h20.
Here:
12h18
